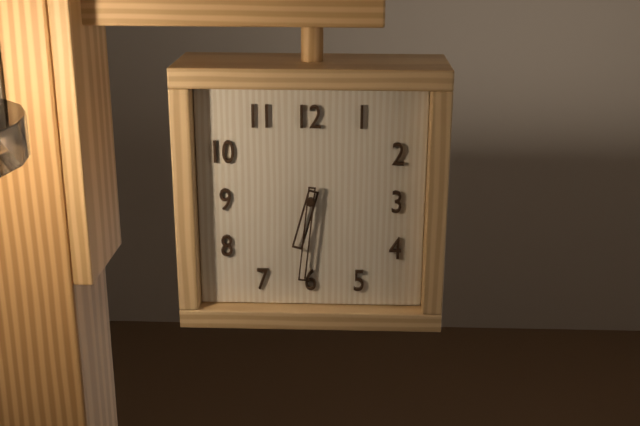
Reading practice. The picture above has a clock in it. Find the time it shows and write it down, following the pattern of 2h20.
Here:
6h31
